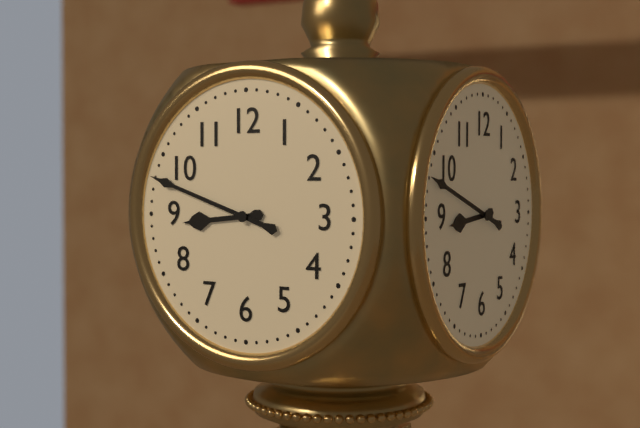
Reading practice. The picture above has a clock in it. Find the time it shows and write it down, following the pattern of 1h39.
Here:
8h48
